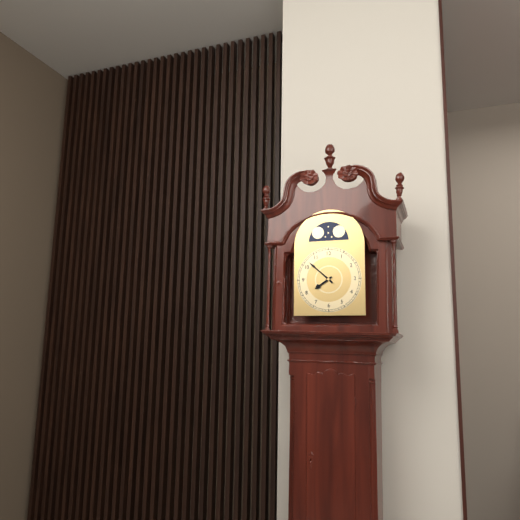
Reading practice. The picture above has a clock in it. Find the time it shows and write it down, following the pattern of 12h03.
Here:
7h52
